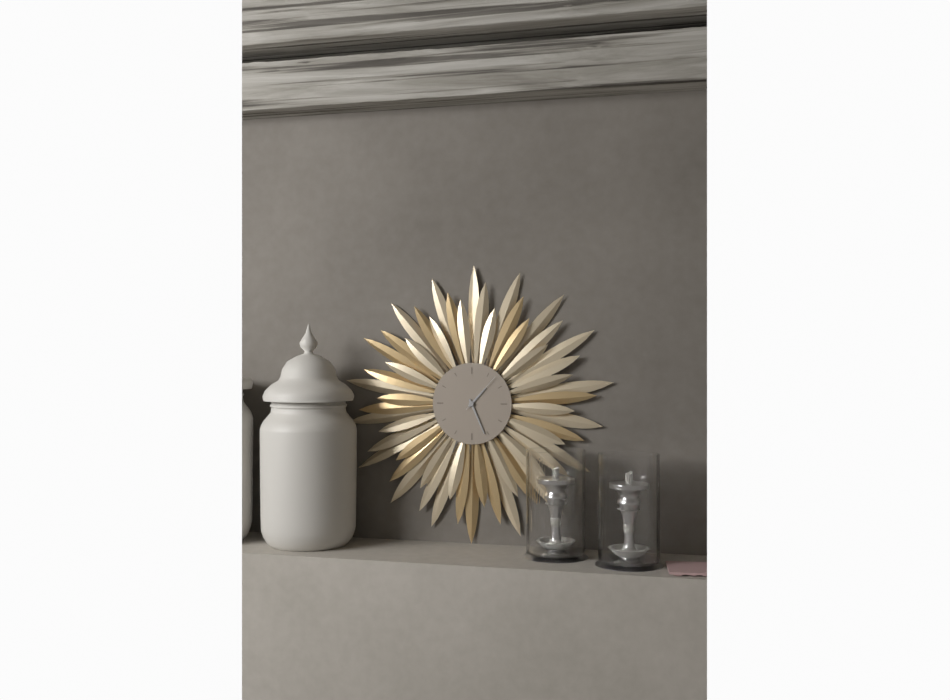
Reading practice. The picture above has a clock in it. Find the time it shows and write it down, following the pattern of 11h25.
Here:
1h26
